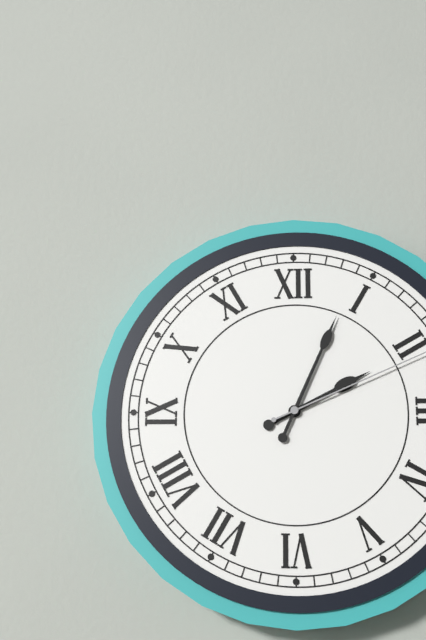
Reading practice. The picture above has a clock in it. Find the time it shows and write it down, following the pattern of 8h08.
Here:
2h04
